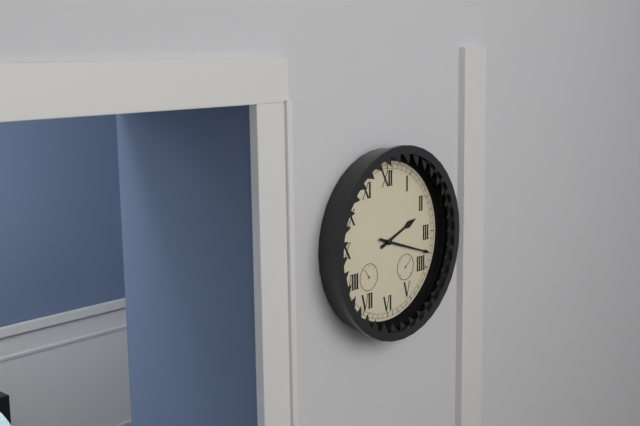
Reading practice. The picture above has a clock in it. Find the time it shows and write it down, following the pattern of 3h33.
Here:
2h18
